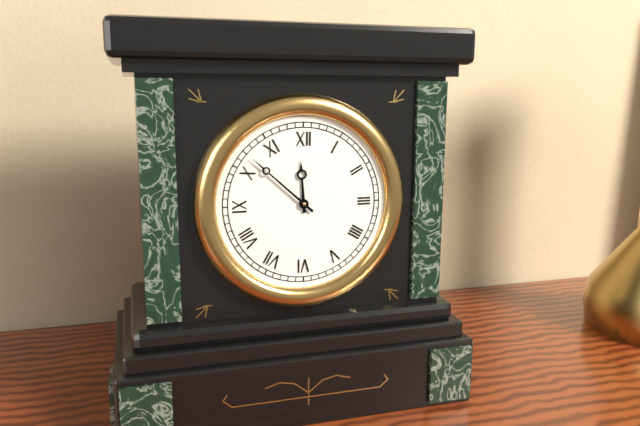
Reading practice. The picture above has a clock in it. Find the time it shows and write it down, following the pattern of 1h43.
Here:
11h52
